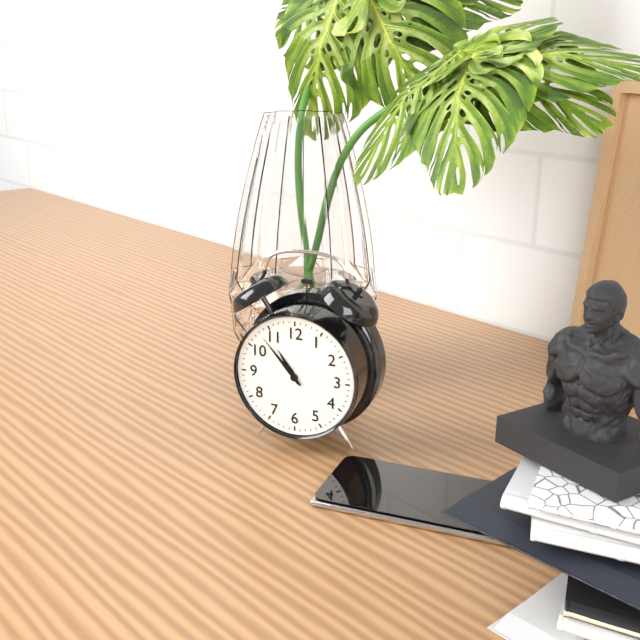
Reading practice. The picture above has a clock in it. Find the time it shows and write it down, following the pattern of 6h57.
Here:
10h53
